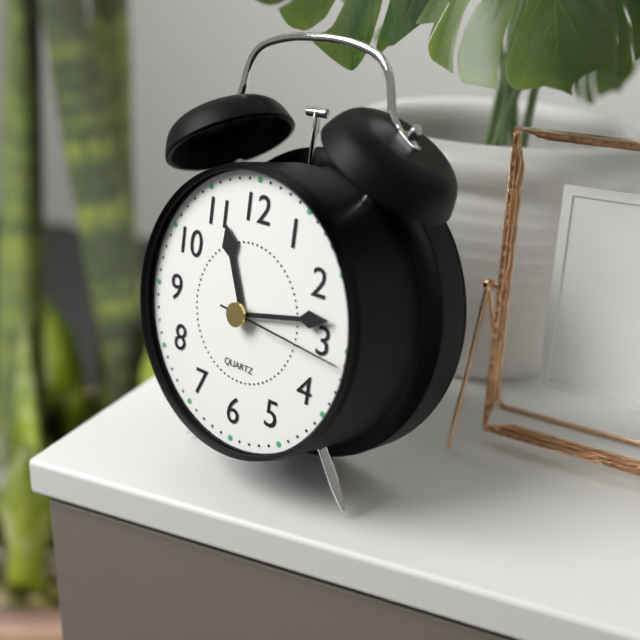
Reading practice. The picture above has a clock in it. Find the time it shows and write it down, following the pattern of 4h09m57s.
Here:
11h13m16s
